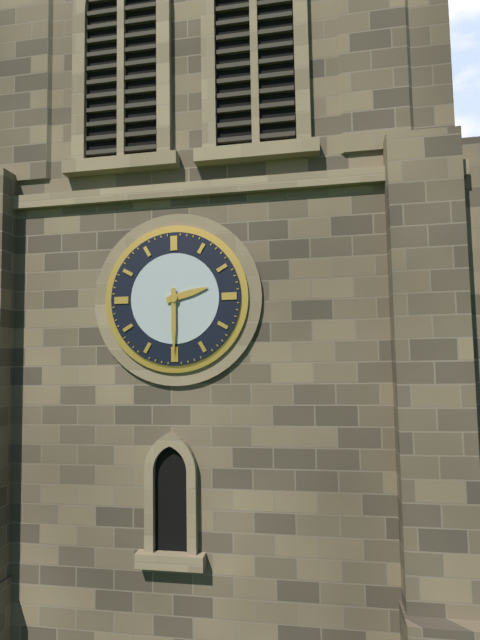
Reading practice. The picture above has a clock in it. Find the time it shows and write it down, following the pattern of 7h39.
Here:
2h30
